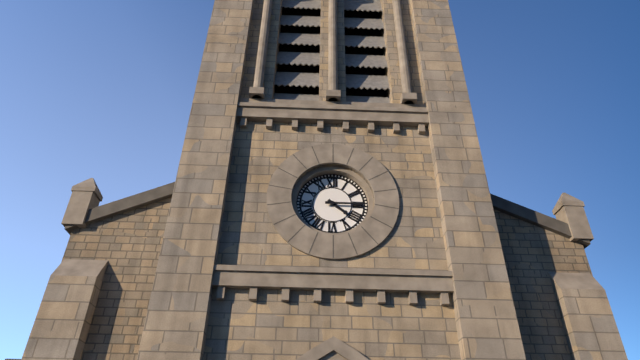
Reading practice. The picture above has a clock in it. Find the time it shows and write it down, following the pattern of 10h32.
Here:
4h15
